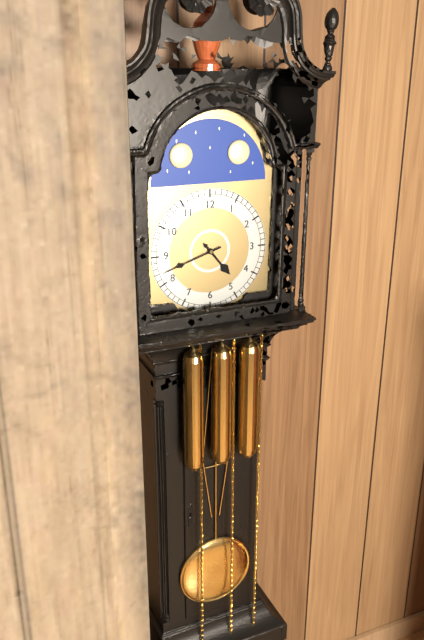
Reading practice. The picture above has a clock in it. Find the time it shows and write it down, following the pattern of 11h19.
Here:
4h42
